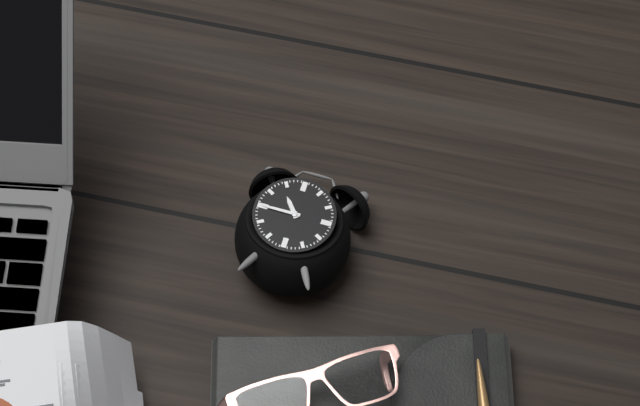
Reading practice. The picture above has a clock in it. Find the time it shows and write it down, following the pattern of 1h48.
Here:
10h45
